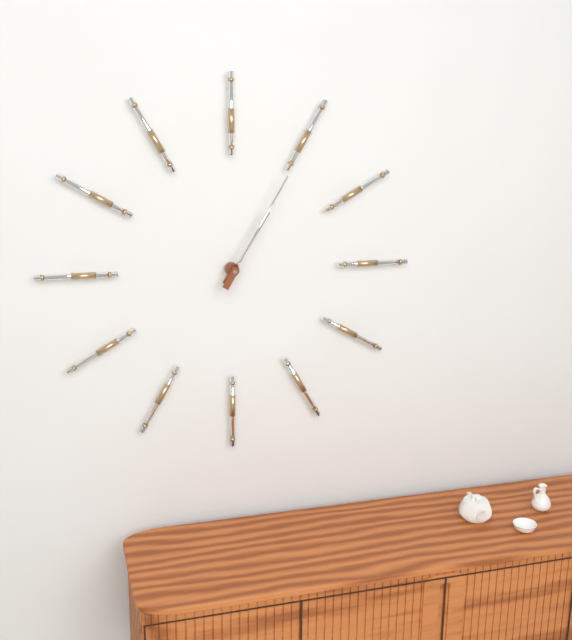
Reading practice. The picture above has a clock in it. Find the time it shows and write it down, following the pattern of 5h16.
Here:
1h05
